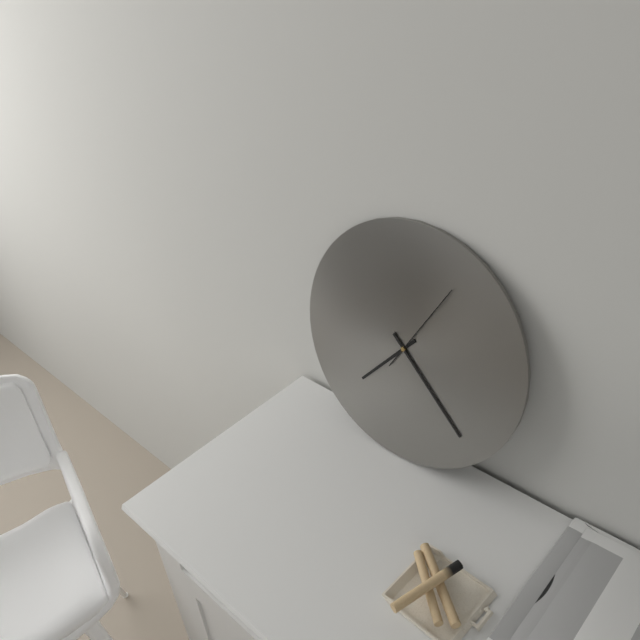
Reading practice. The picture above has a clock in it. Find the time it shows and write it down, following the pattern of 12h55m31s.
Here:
7h22m05s
